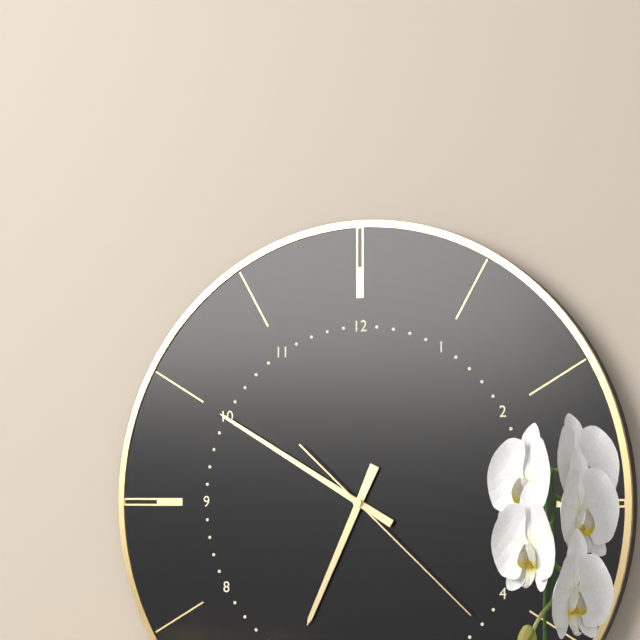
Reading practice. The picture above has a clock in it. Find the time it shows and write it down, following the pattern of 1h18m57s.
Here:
6h50m22s
